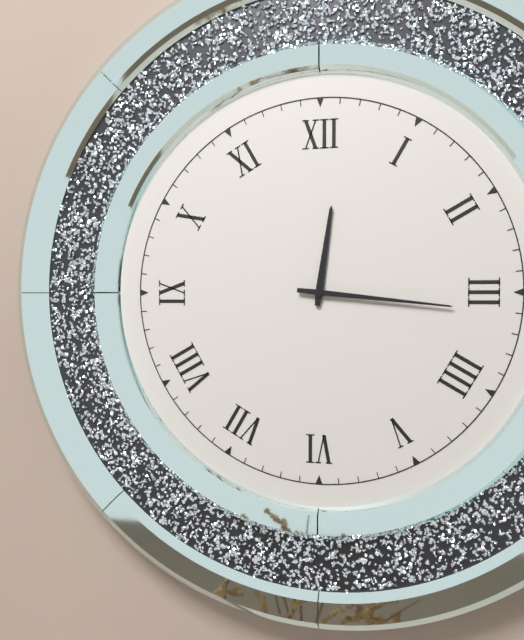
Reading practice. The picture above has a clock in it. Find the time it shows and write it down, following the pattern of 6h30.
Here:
12h16
